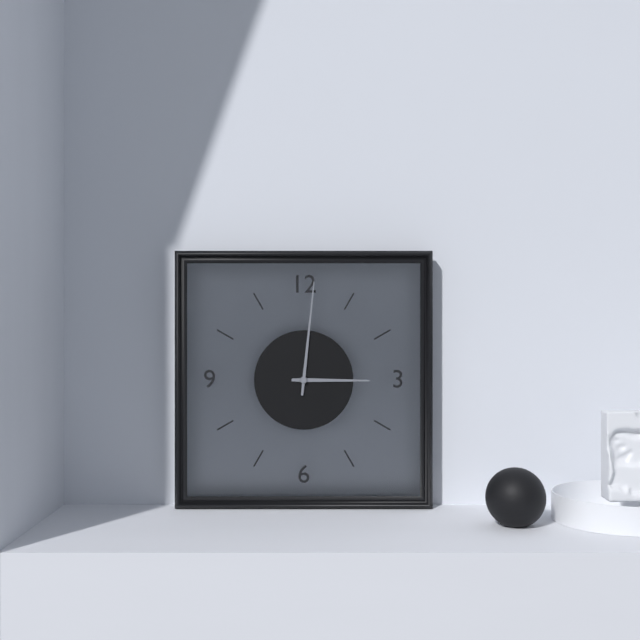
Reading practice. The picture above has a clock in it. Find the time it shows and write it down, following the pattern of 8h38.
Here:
3h01
